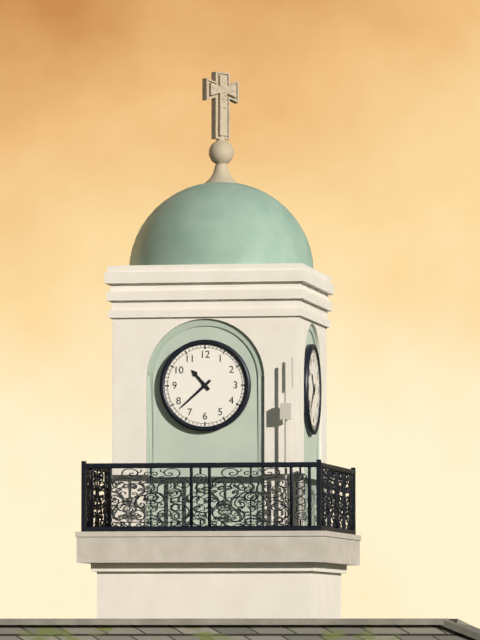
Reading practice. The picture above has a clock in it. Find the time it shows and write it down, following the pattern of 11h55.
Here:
10h38
